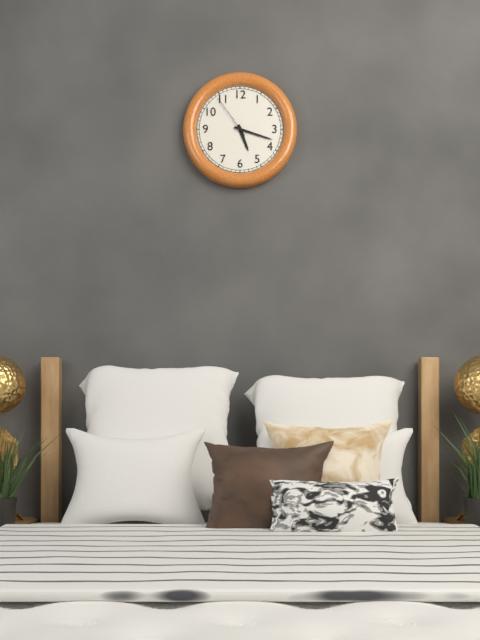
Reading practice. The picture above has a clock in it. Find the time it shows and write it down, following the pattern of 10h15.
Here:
5h18
